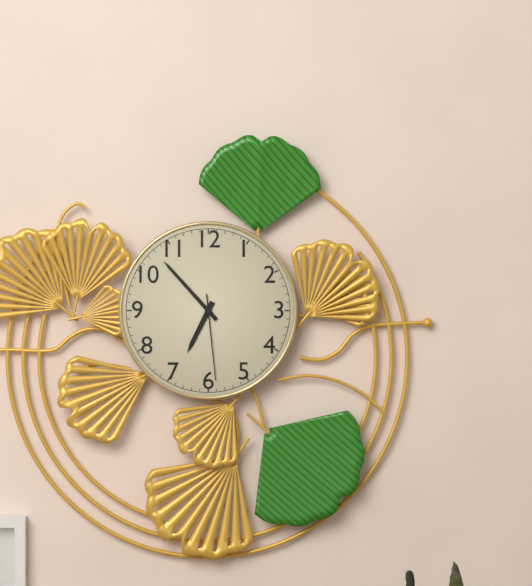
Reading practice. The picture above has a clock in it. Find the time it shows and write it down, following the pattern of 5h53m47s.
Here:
6h53m29s
